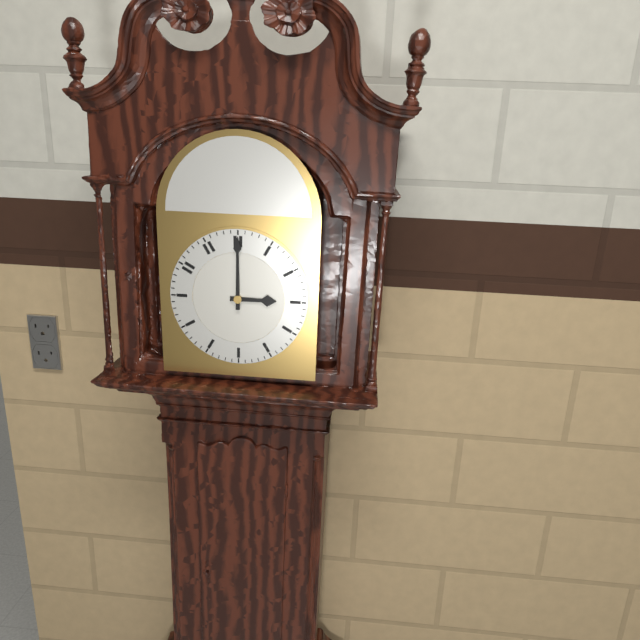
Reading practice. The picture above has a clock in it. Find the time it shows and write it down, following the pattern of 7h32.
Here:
3h00
